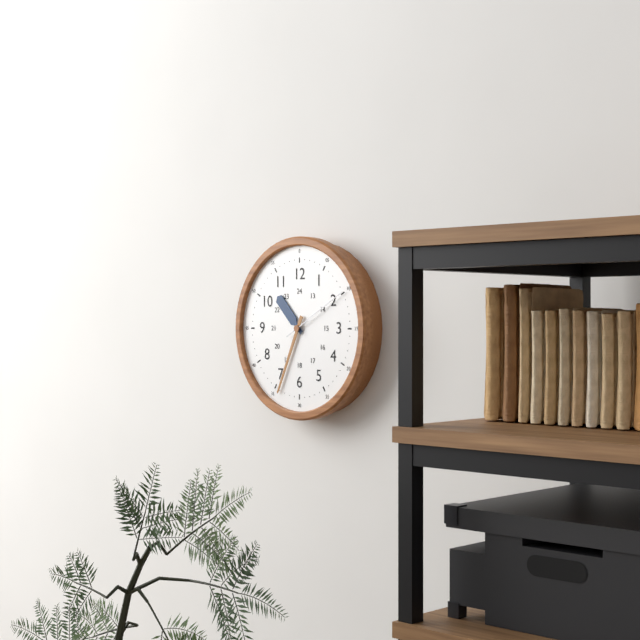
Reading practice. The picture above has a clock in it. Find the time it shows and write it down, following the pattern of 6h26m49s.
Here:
10h34m10s
